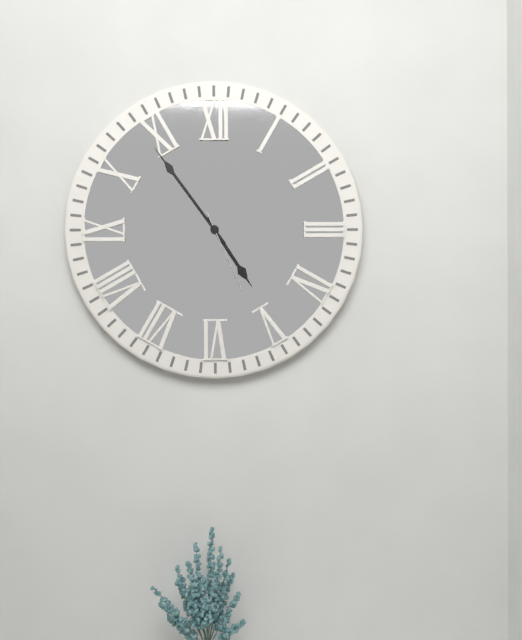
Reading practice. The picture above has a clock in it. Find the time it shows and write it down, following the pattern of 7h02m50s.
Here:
4h54m26s
